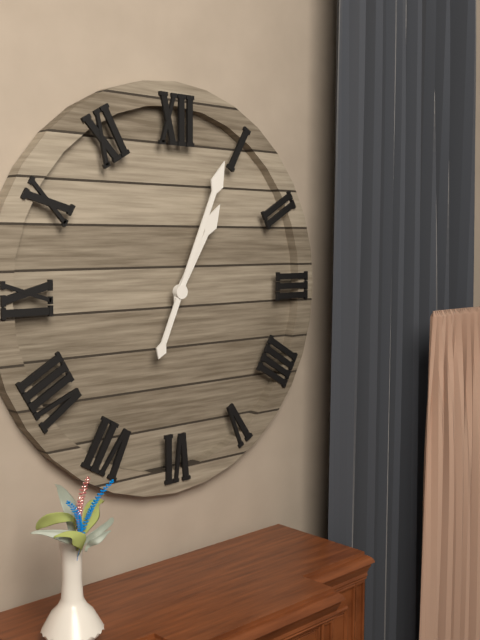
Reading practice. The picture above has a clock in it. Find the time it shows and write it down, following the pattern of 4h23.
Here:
1h04
